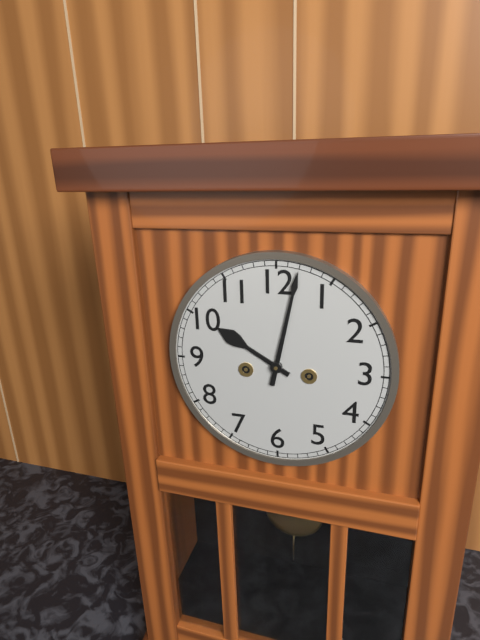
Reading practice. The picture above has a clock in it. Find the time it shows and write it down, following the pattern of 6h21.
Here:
10h02
